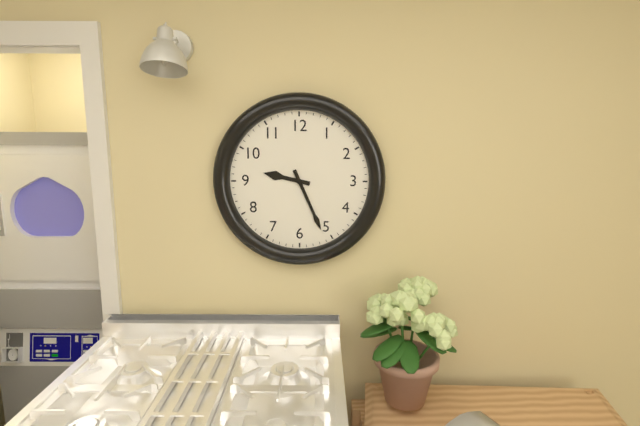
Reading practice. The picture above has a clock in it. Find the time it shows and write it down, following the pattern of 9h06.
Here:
9h26
